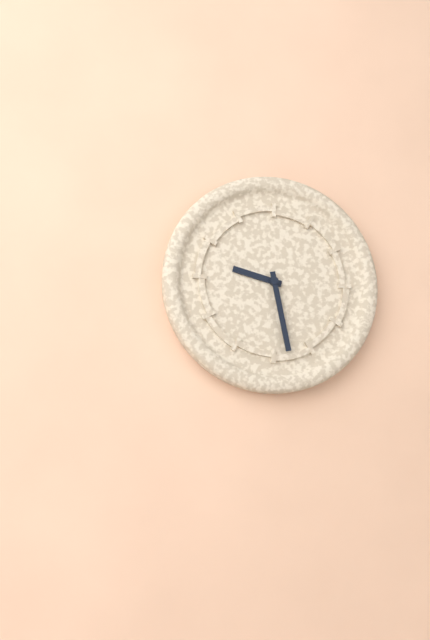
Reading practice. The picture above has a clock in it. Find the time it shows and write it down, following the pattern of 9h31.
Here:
9h28
